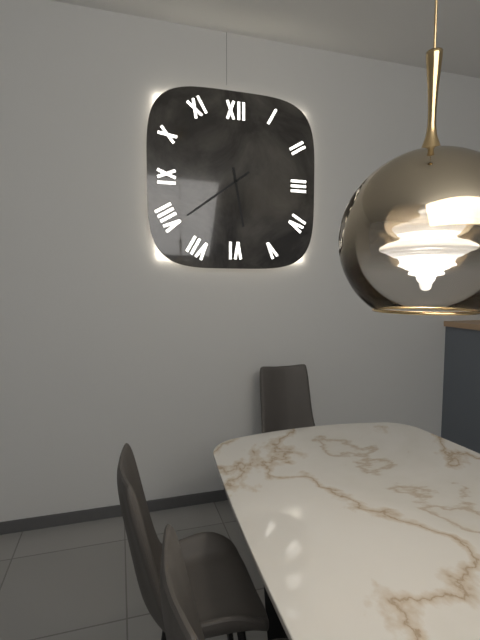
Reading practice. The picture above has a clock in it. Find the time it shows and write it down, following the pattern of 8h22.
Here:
5h39
